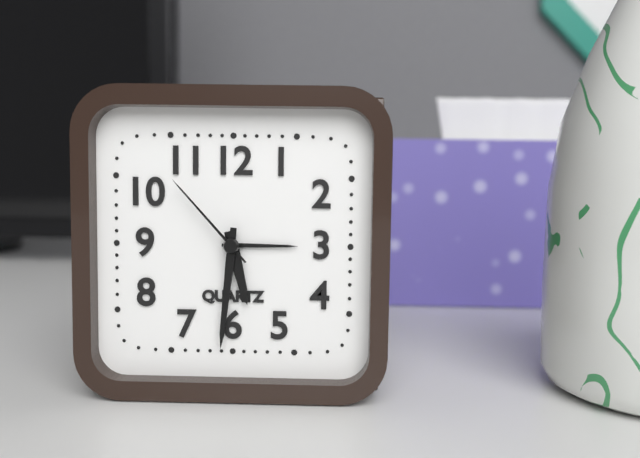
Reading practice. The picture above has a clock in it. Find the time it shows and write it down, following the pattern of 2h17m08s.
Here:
5h31m53s
